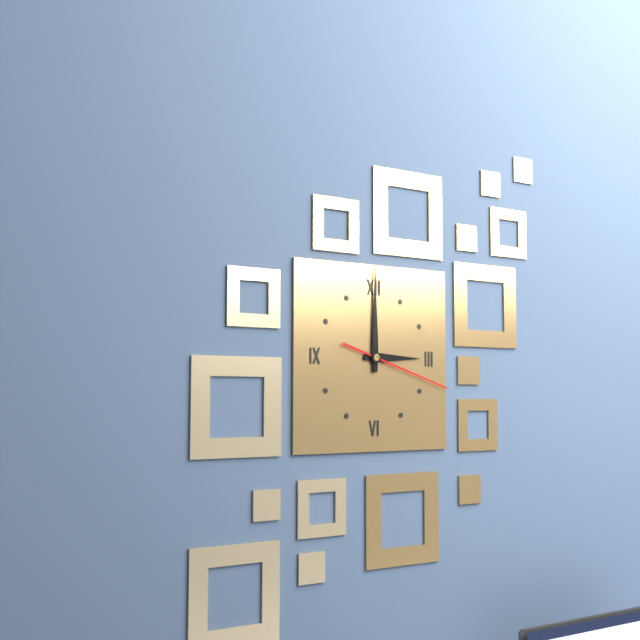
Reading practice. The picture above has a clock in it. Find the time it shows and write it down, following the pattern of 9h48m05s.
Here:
3h00m18s
